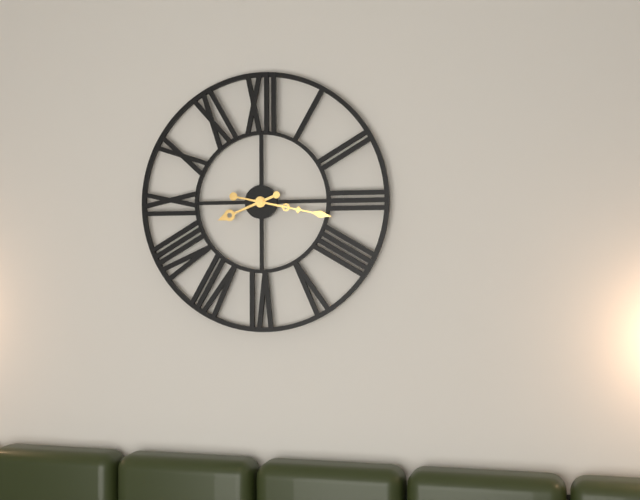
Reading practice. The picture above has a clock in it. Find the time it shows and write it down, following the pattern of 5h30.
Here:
8h17
